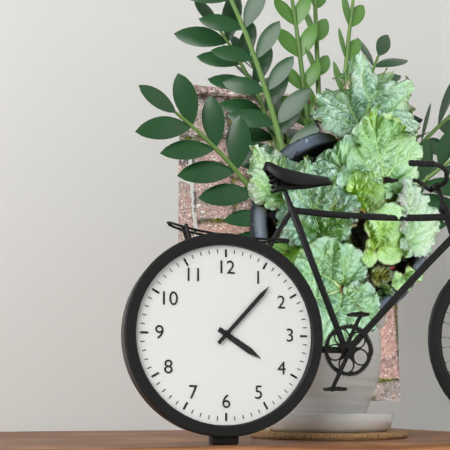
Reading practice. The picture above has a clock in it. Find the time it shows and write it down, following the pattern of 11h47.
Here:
4h07
